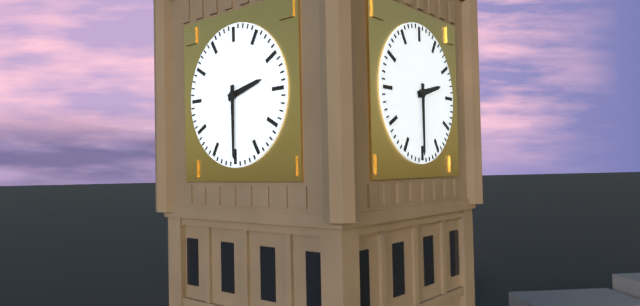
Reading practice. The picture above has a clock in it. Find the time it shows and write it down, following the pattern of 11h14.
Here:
2h30
